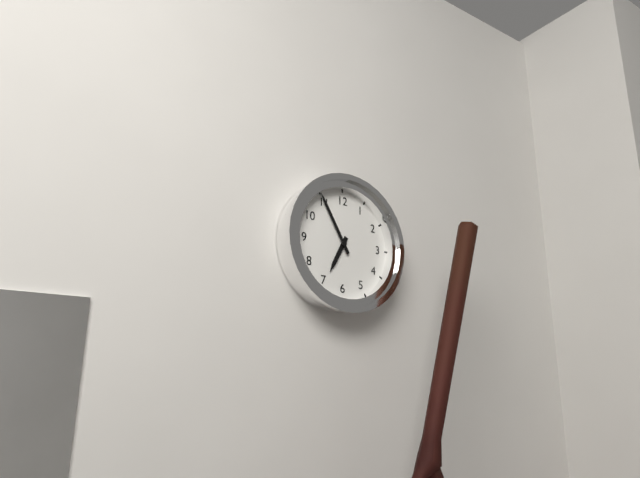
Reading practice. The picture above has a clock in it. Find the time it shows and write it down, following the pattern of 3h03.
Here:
6h55
